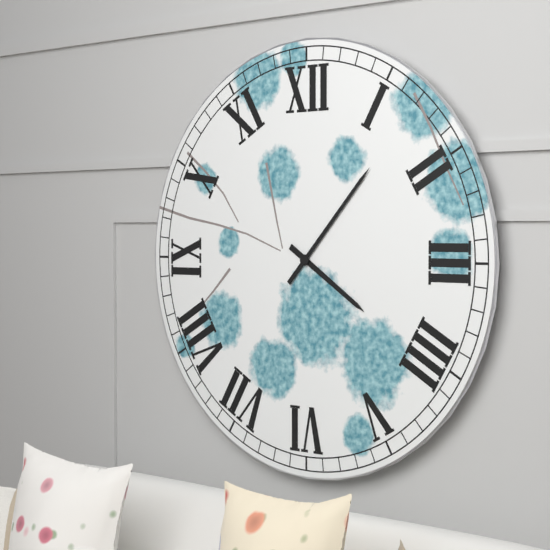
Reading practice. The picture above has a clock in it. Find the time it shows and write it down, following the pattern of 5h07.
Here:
4h07
